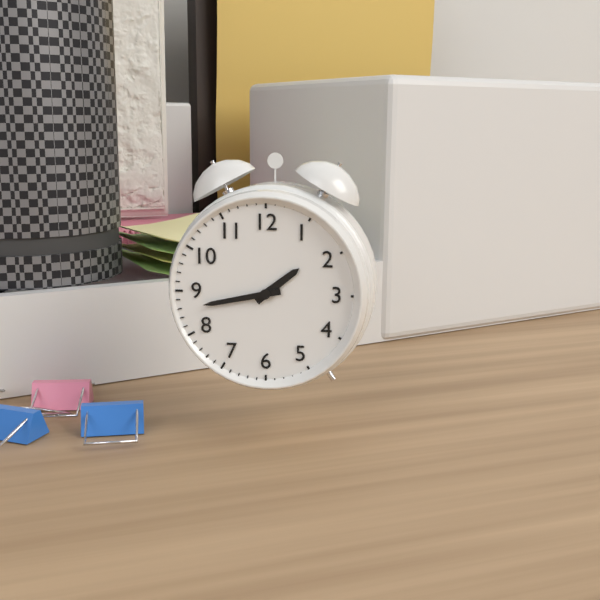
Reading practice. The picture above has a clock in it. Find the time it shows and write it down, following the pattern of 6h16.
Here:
1h43
